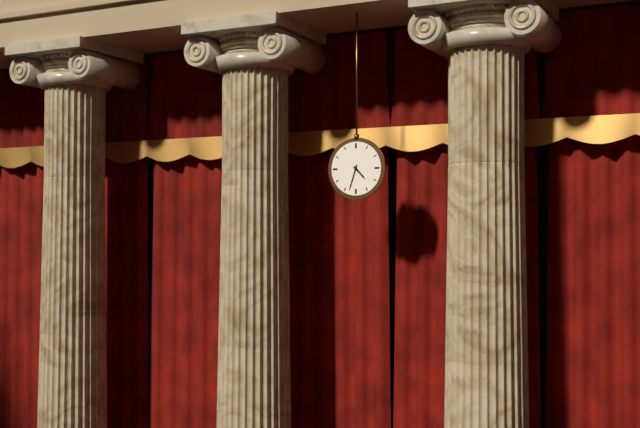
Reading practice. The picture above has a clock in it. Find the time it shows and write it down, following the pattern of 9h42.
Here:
4h33
